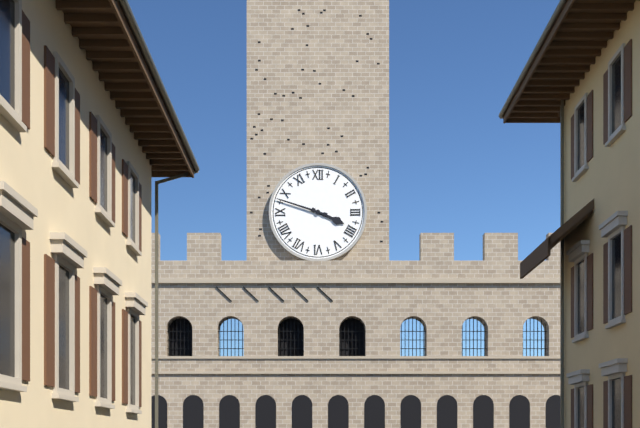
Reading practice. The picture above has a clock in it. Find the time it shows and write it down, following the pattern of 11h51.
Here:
3h48
